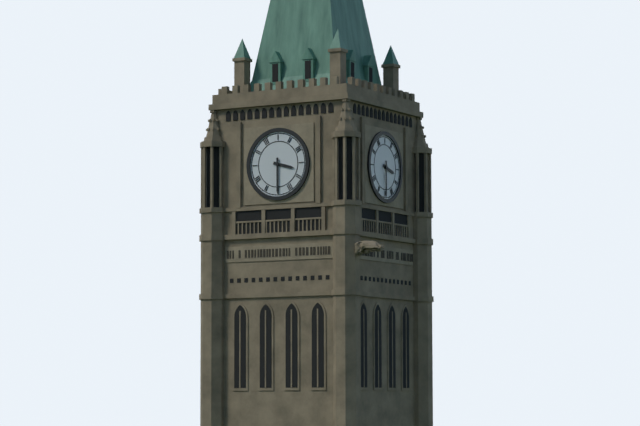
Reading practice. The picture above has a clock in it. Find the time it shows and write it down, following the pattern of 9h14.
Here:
3h30
